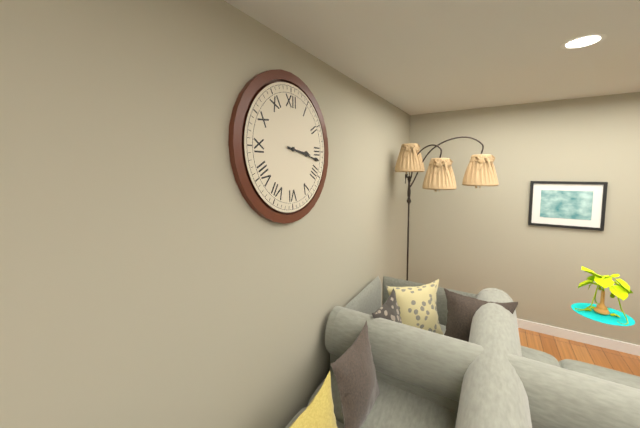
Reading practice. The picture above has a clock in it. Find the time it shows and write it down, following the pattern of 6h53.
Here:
3h17
